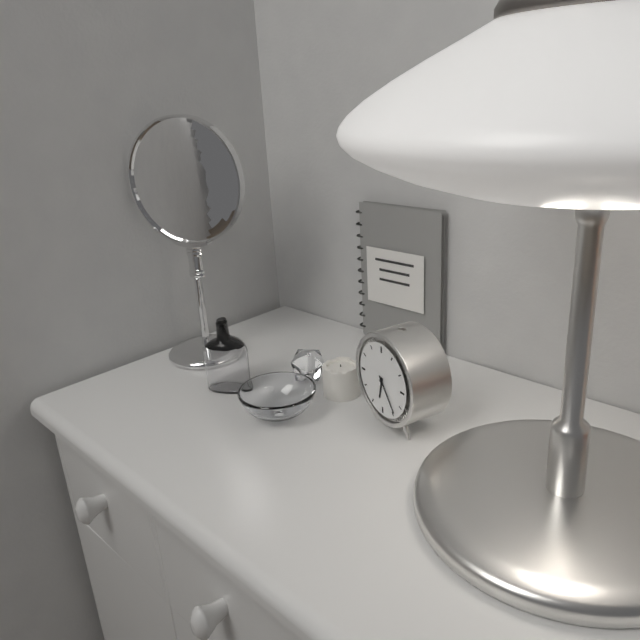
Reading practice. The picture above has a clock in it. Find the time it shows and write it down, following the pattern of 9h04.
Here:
6h24
